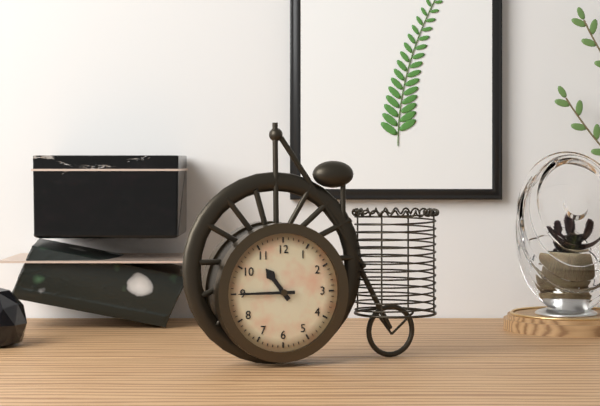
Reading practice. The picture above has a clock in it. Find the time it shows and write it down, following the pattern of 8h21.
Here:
10h45
